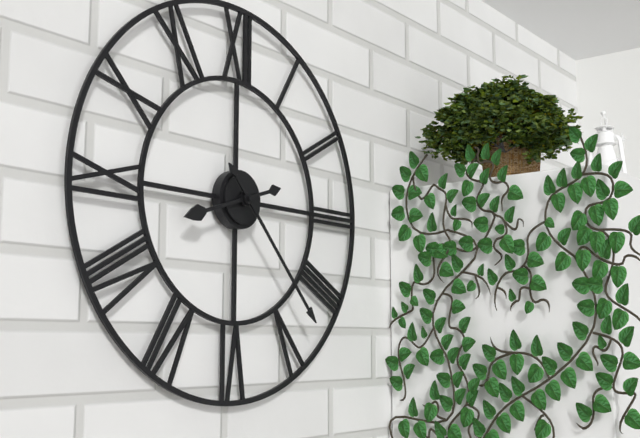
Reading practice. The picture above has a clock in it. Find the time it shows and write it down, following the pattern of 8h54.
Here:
8h23
